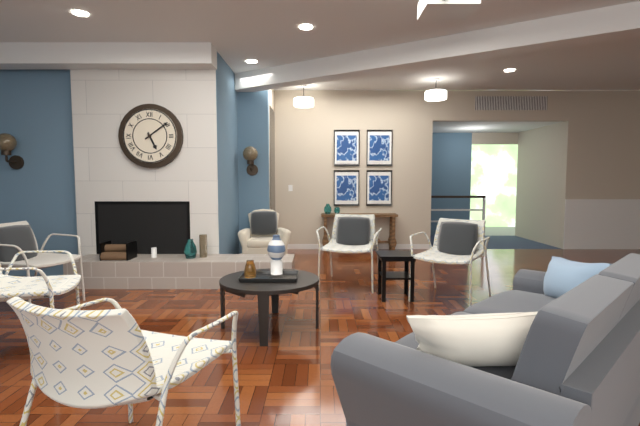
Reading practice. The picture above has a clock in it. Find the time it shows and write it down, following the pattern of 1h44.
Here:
5h09
